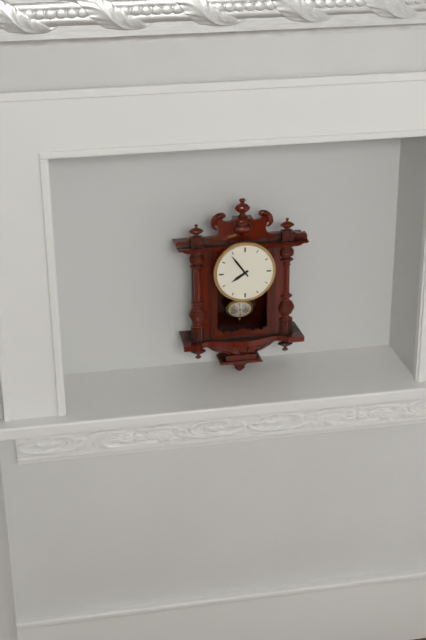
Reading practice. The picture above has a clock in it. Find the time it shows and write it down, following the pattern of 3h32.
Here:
7h54
